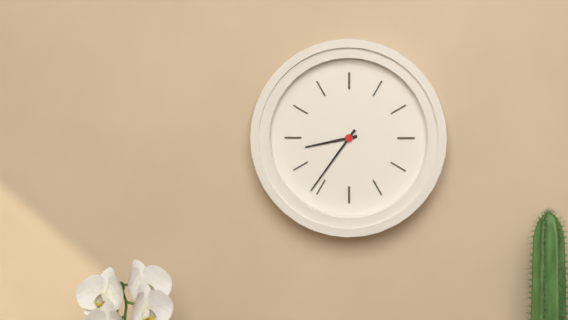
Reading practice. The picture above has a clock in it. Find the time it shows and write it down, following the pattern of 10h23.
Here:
8h36
